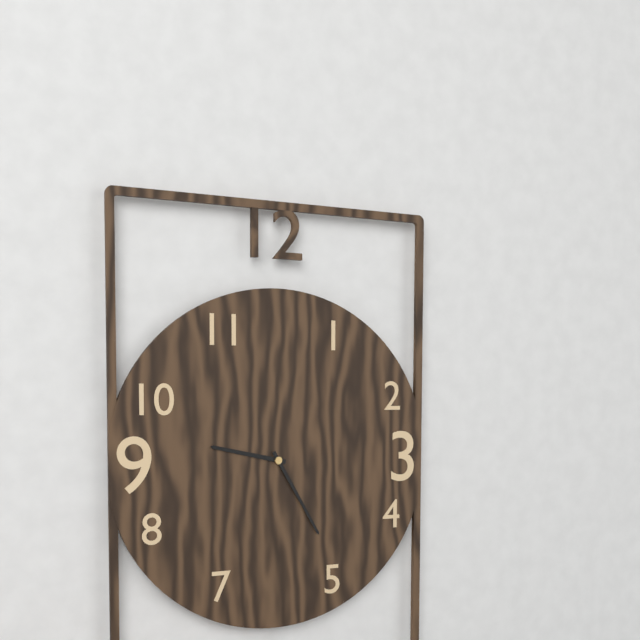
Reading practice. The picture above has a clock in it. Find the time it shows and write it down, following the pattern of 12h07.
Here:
9h25
